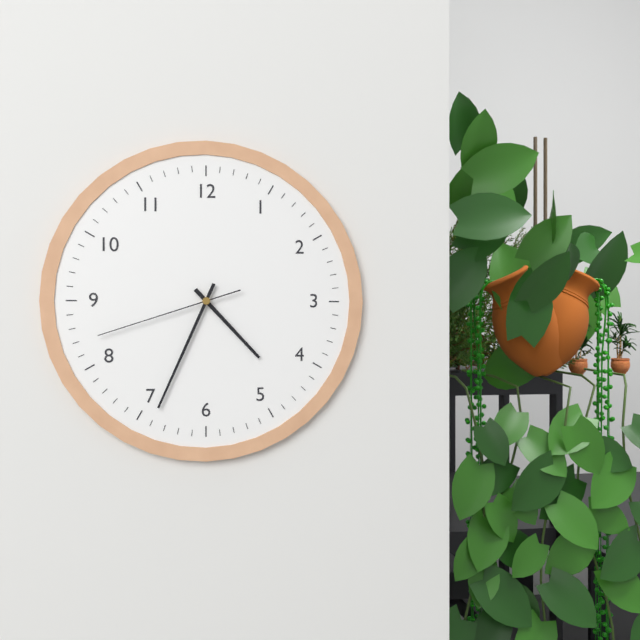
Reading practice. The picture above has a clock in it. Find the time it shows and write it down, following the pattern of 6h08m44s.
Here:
4h34m42s
